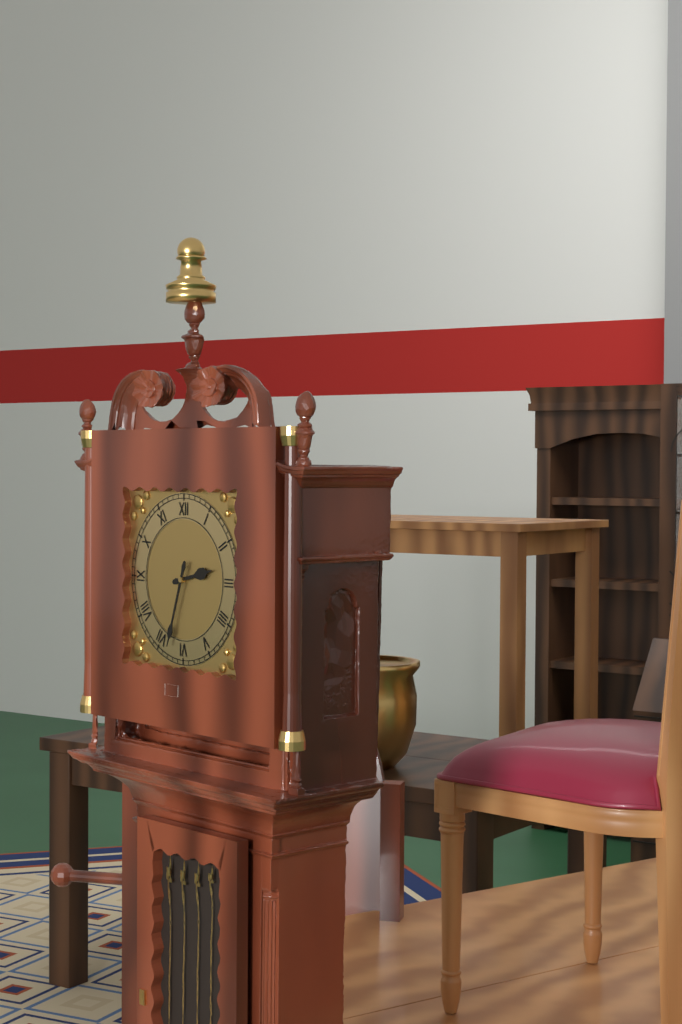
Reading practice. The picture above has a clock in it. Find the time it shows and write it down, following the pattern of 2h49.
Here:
2h33
